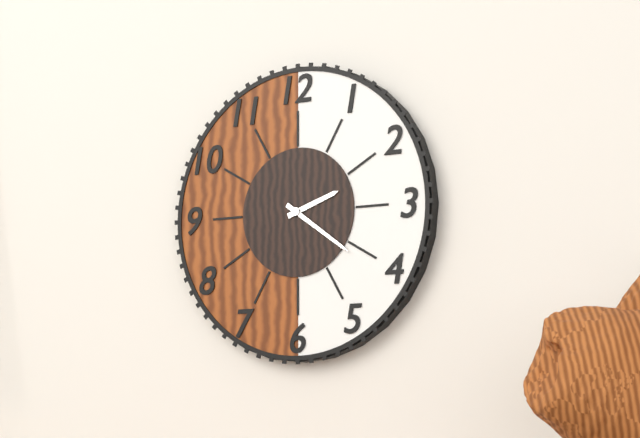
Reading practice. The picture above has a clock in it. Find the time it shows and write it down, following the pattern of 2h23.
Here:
2h21
